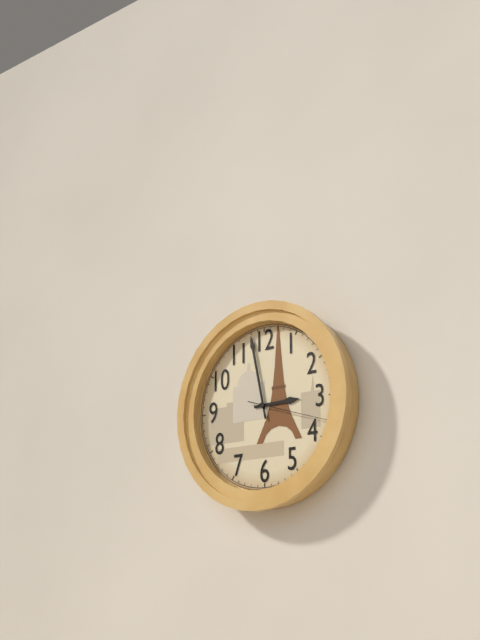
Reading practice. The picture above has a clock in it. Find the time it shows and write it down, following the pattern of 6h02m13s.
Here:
2h58m18s
